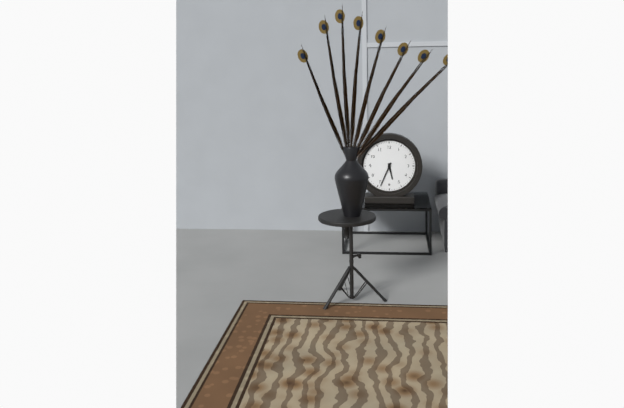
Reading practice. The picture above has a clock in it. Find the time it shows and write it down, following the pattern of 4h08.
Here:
5h34
